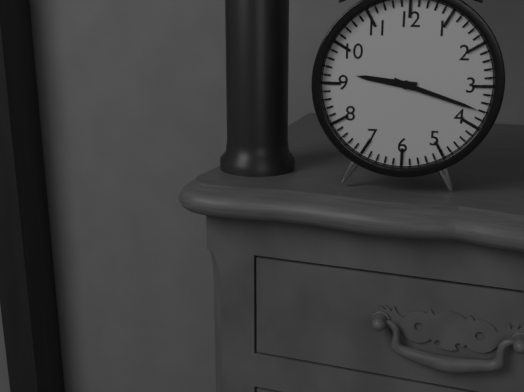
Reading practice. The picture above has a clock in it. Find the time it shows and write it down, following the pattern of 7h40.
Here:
9h18
